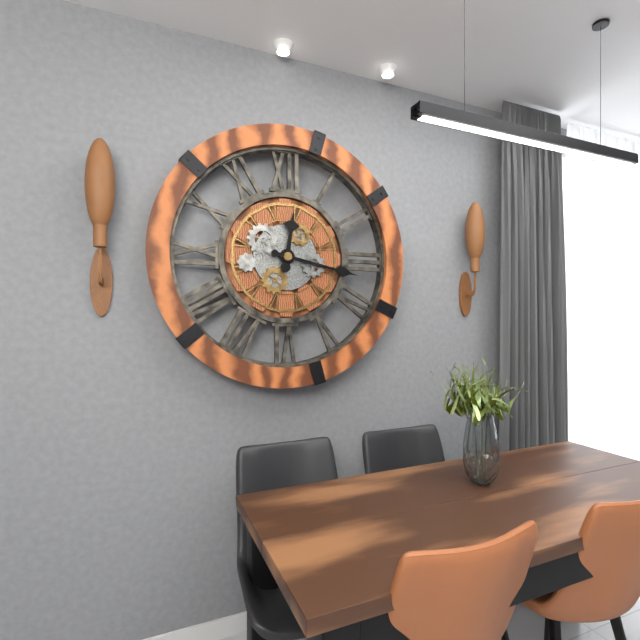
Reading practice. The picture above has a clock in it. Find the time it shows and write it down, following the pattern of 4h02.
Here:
12h17
